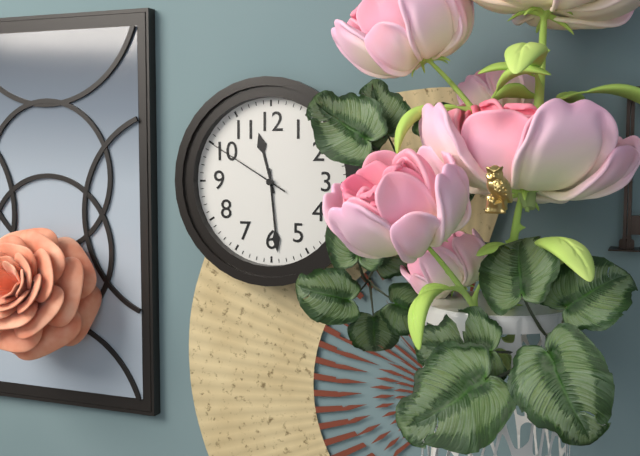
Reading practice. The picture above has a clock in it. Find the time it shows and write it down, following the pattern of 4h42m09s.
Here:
11h29m50s
